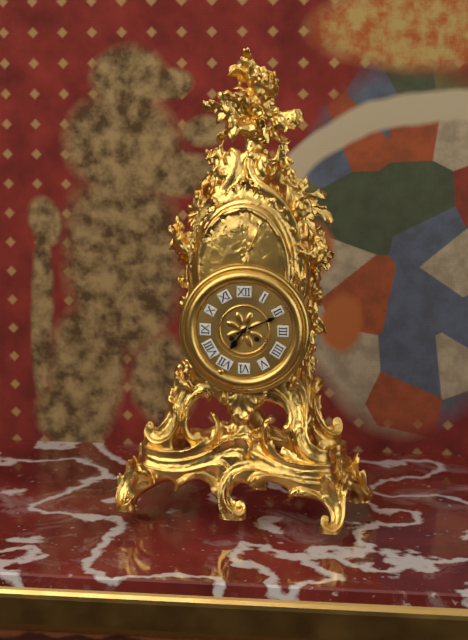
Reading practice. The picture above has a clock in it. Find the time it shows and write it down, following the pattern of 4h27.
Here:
7h11
